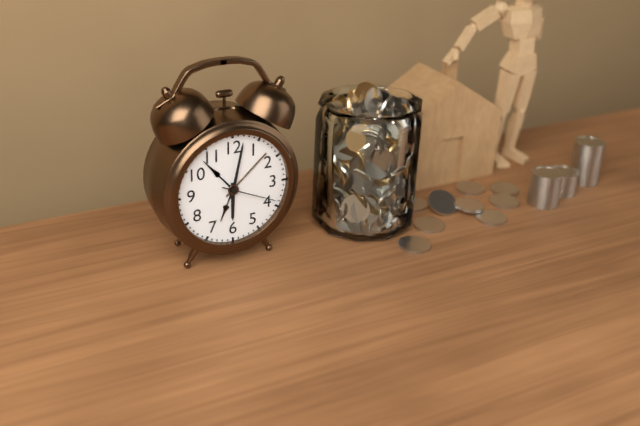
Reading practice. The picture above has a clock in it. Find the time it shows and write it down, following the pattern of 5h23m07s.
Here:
6h02m19s
